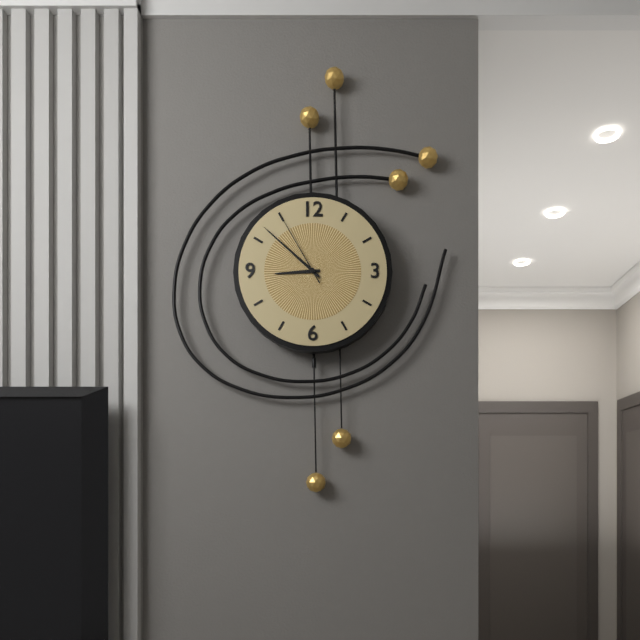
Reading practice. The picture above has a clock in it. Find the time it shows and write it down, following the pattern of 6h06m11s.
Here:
8h52m55s
